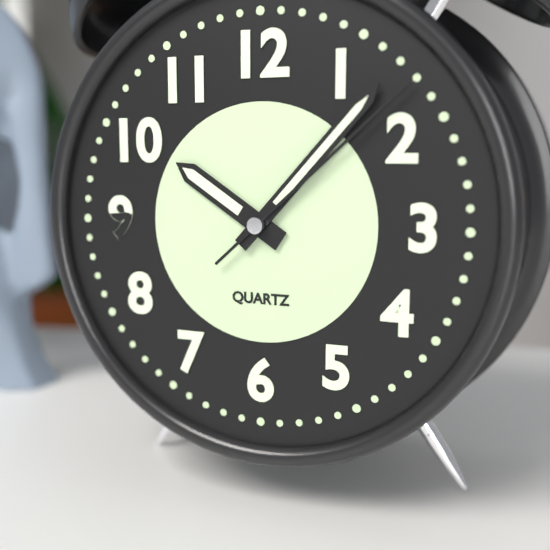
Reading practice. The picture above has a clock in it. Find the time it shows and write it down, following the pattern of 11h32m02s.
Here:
10h07m08s
